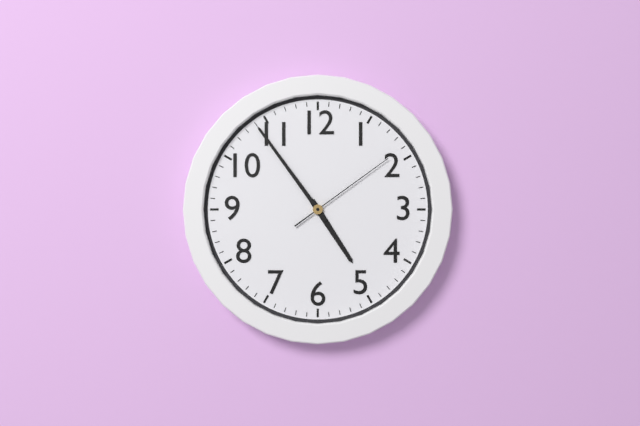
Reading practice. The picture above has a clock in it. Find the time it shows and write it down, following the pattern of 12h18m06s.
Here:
4h54m09s
